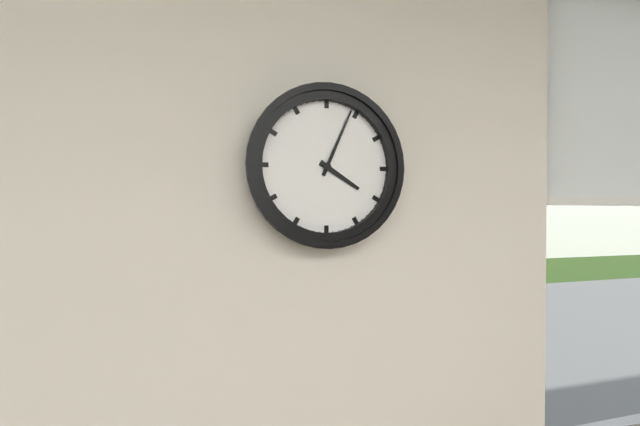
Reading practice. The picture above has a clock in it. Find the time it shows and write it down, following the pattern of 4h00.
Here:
4h04
